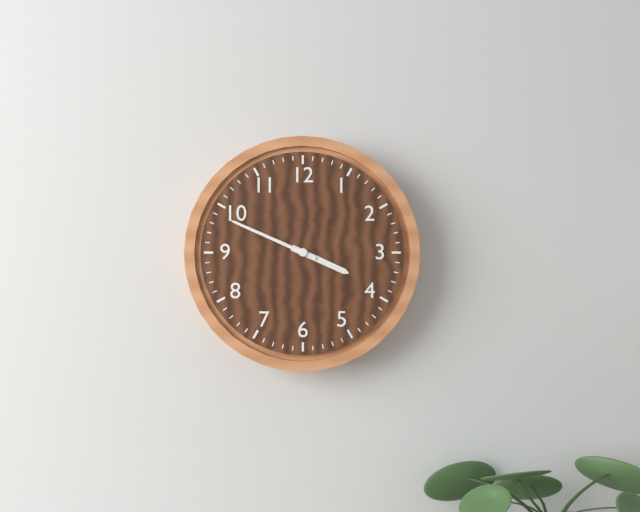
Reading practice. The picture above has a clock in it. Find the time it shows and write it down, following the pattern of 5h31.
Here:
3h49
